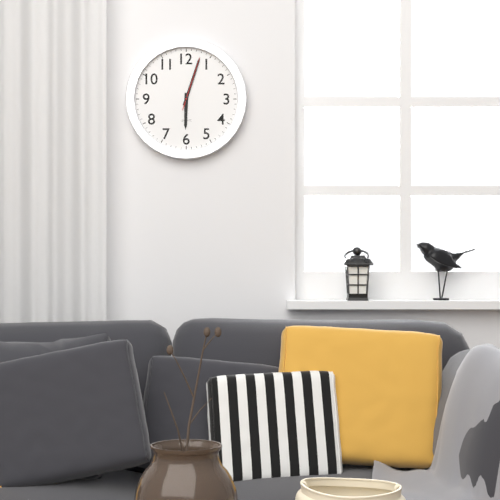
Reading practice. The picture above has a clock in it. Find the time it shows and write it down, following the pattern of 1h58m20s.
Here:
6h03m03s
